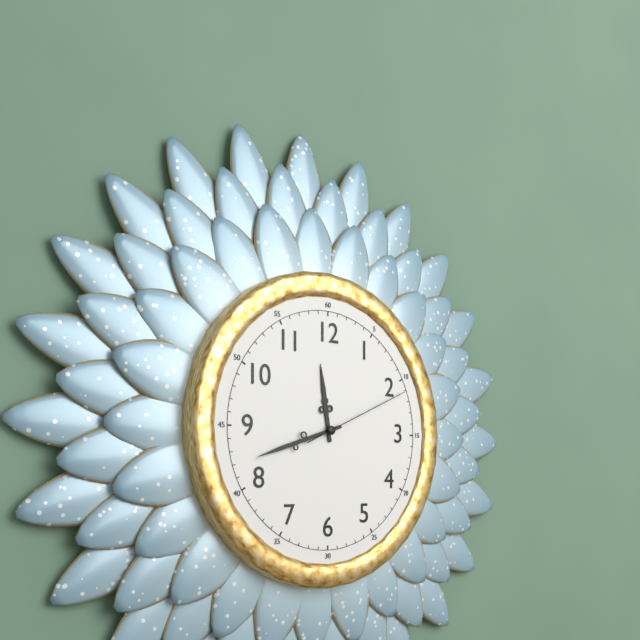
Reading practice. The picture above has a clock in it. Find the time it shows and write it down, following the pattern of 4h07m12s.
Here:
11h42m11s
